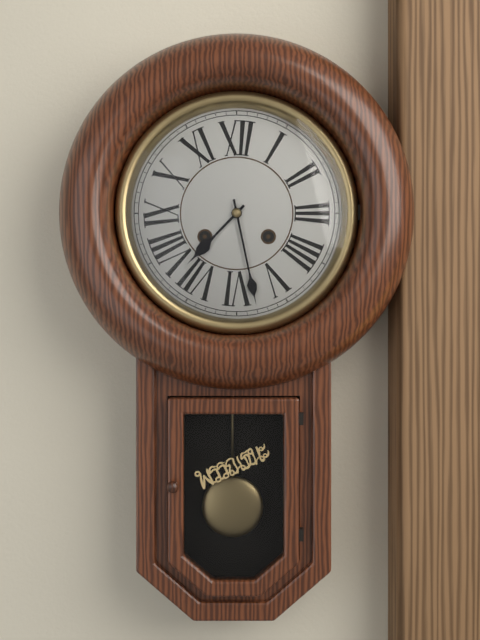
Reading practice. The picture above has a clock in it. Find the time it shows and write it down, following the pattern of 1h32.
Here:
7h28
